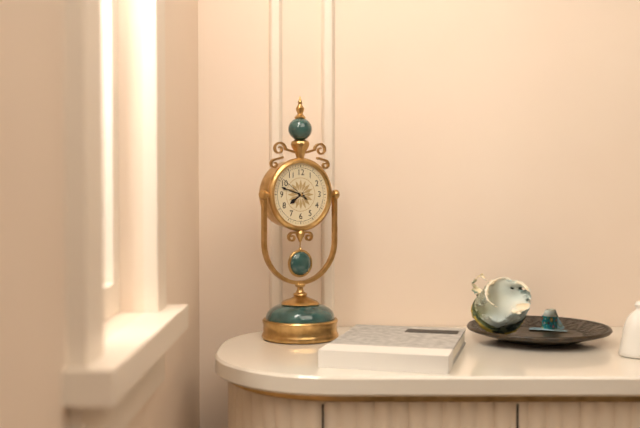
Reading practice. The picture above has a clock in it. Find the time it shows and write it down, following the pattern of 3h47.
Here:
7h48
